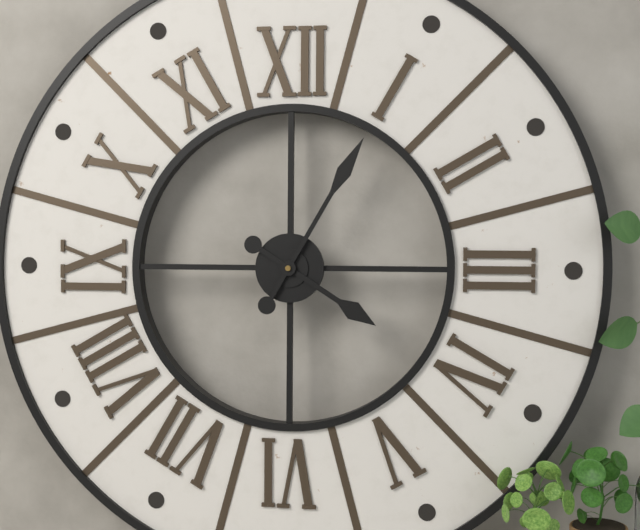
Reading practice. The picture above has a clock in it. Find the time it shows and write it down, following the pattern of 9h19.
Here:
4h05
